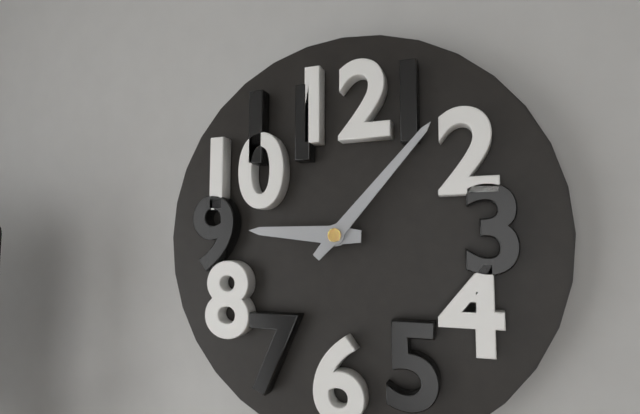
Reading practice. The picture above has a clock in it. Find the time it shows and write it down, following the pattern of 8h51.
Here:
9h07
